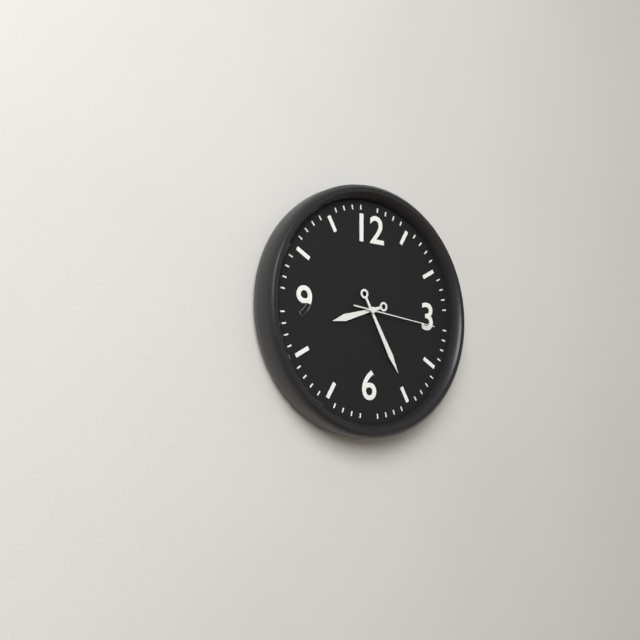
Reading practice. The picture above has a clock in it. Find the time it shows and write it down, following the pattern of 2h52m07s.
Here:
8h25m16s
